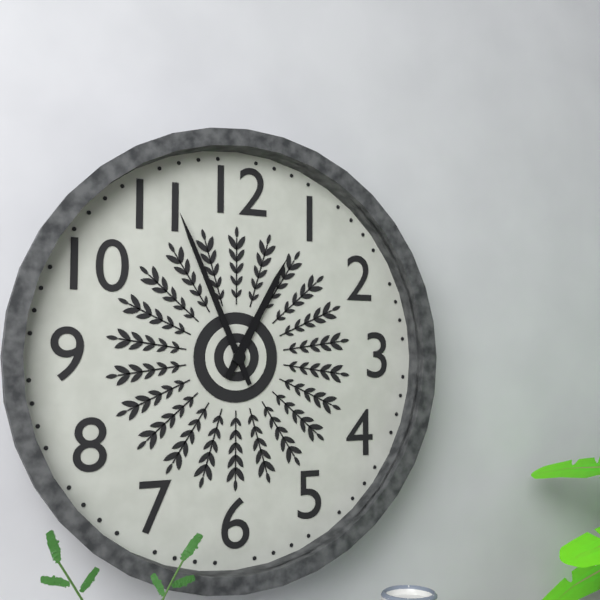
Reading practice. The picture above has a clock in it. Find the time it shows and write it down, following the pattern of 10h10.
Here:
12h56
